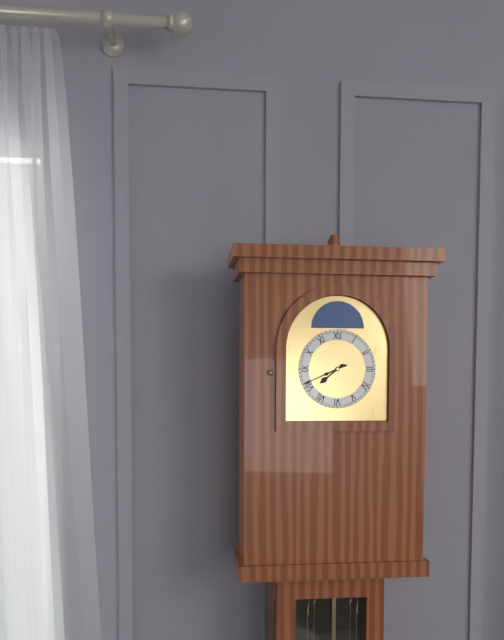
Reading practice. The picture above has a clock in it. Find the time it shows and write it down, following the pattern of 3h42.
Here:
7h41
